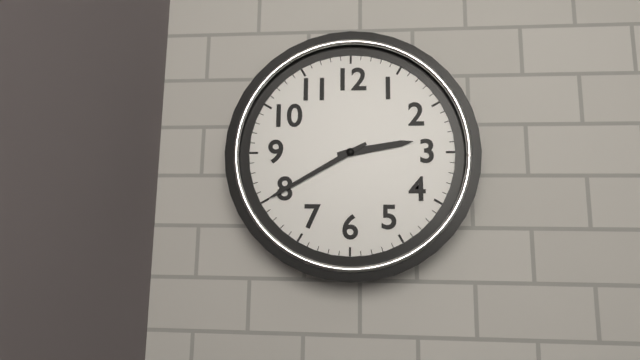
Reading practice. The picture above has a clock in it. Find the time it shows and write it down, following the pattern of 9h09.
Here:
2h40
